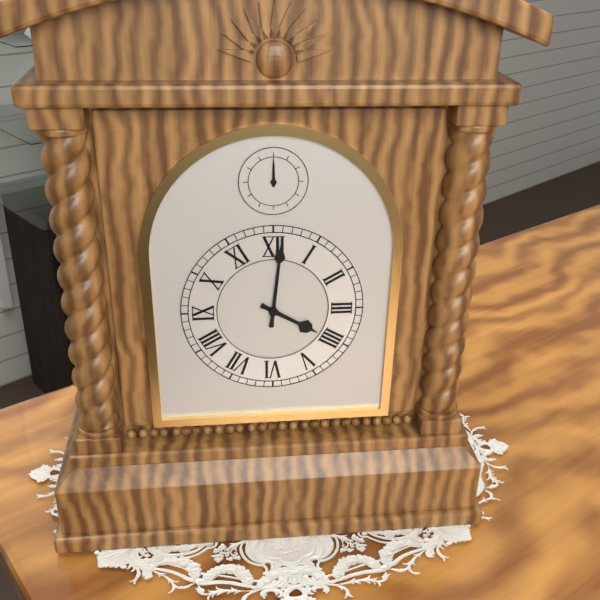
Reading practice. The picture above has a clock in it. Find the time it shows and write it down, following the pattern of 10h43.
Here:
4h01
